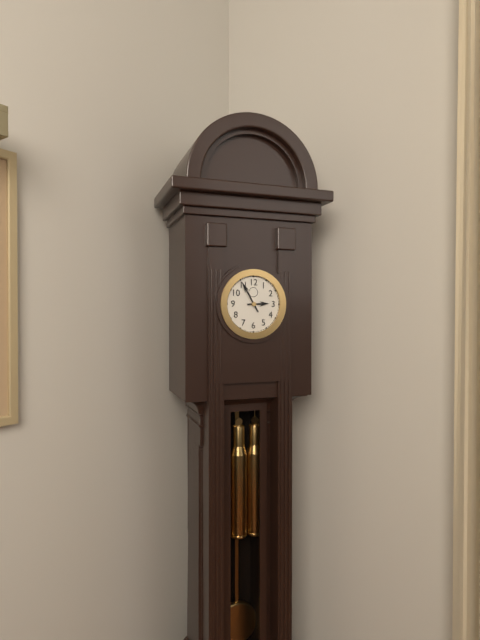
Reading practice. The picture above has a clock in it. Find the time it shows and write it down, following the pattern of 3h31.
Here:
2h55
